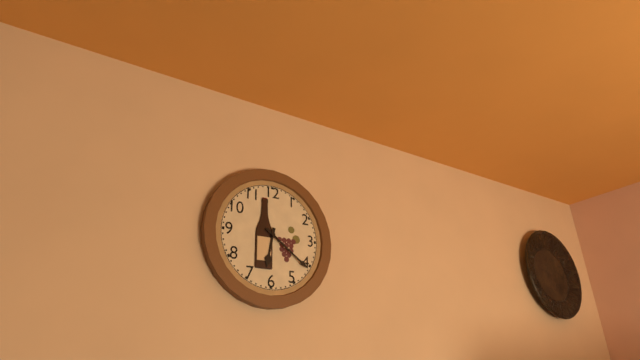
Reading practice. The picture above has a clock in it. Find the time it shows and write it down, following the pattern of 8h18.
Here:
6h21
